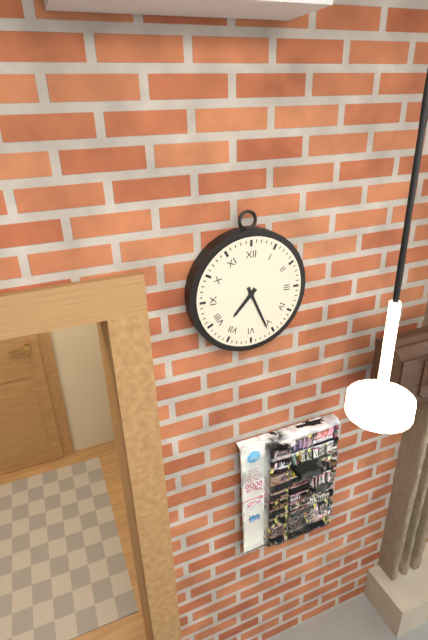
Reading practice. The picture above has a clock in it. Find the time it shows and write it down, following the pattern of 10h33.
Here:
7h26
